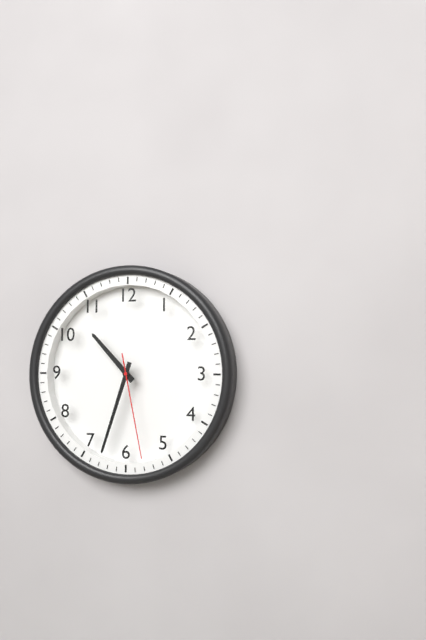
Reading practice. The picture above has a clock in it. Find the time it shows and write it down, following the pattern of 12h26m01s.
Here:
10h33m28s
